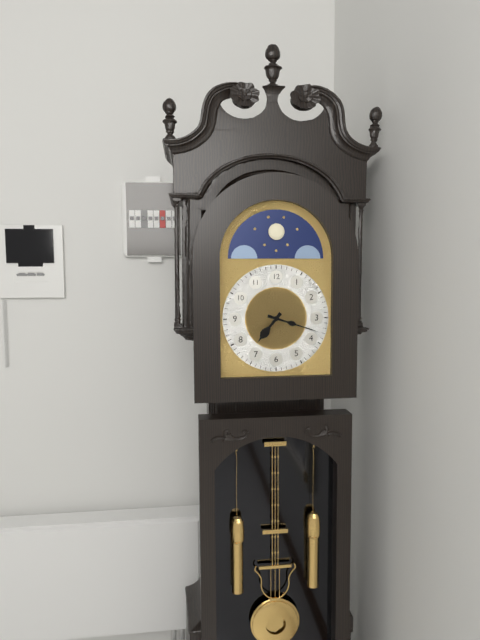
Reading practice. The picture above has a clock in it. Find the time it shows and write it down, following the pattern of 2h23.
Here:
7h18
